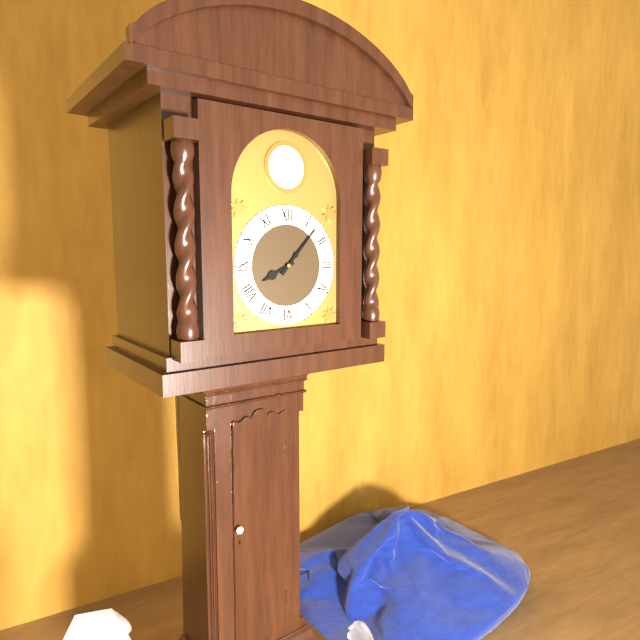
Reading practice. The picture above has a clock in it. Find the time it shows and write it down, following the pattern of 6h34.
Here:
8h07
